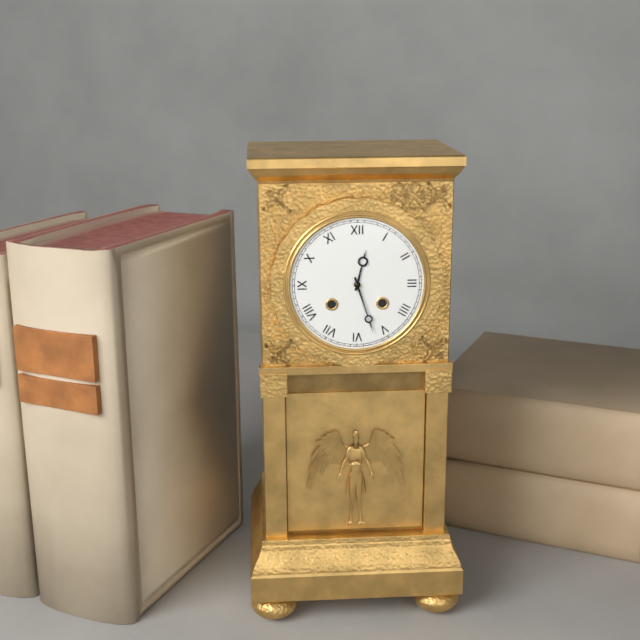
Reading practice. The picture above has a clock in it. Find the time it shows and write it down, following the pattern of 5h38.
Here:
12h27
